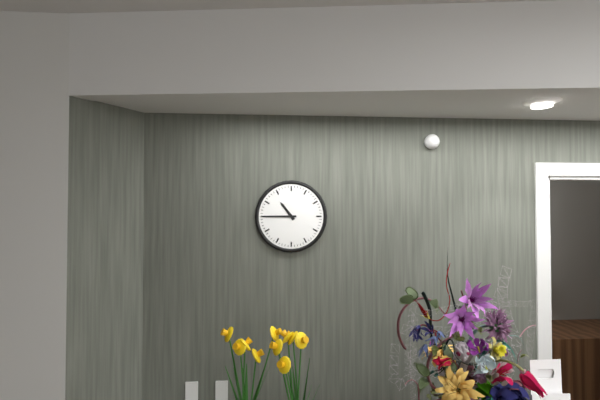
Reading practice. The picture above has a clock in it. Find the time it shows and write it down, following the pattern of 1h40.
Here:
10h45
